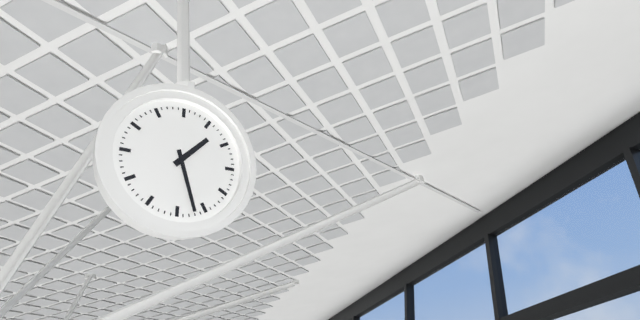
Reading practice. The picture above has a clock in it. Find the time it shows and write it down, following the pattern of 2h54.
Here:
1h27
